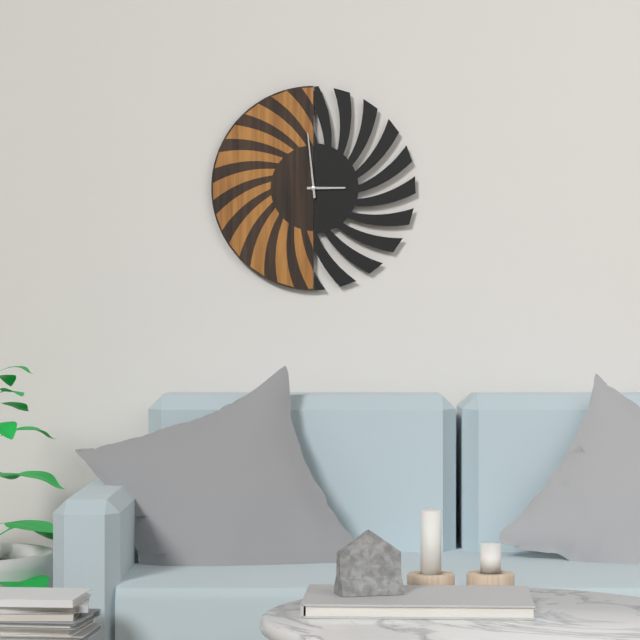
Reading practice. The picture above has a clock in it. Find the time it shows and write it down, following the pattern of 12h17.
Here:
2h59
